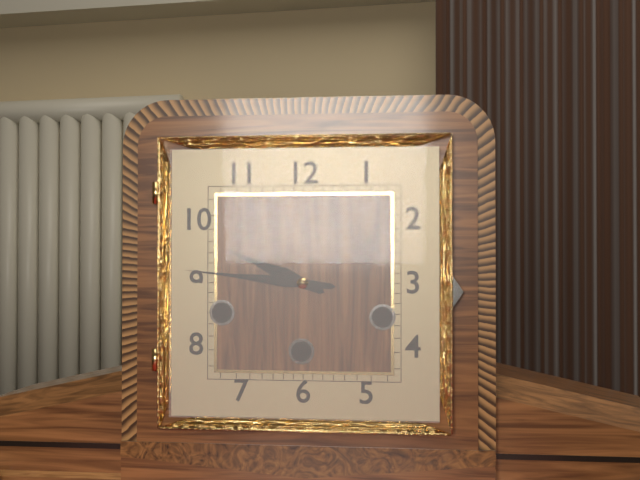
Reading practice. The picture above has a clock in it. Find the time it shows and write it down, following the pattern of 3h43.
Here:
9h46
